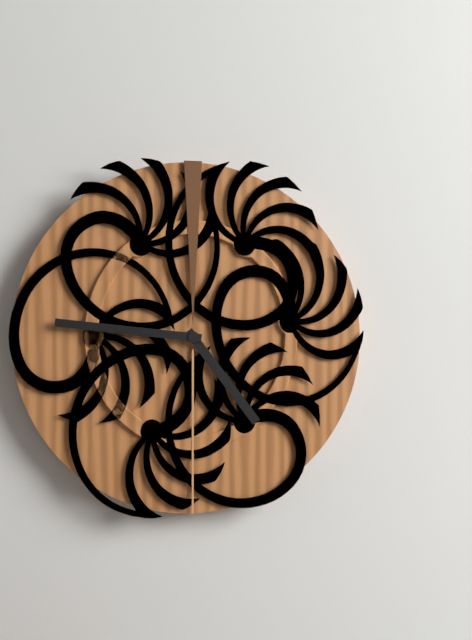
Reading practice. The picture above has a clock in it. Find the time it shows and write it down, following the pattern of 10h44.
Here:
4h46
